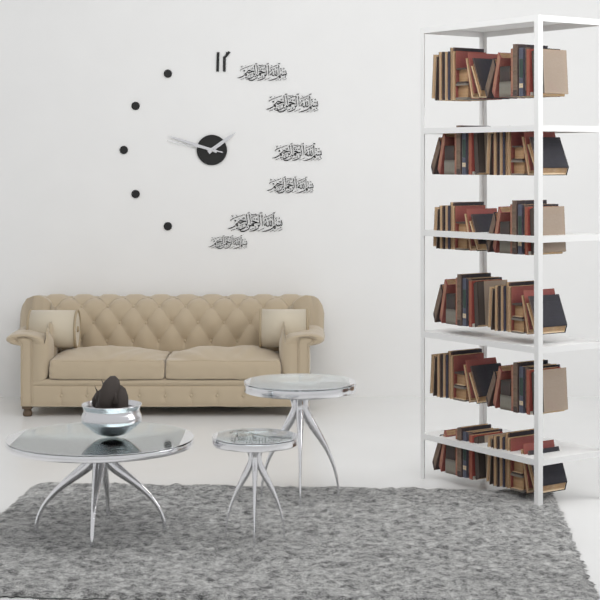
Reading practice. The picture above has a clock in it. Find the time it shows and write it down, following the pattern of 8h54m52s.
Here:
1h48m47s
